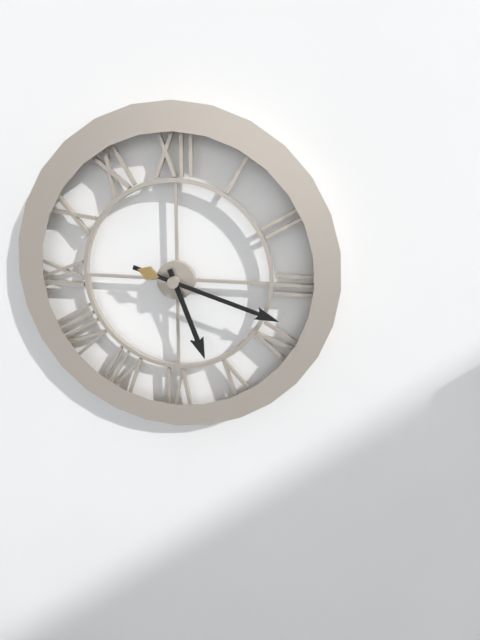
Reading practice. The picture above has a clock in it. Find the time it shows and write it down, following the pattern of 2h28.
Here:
5h18
